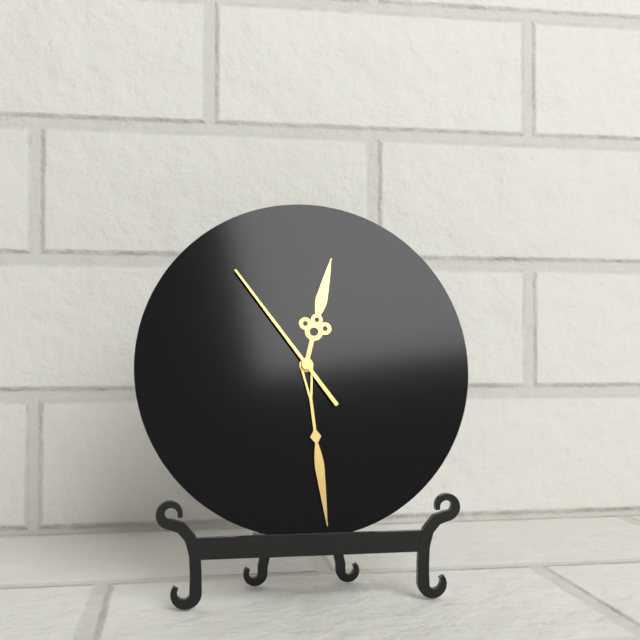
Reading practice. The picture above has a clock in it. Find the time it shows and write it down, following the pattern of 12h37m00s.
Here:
12h29m54s
